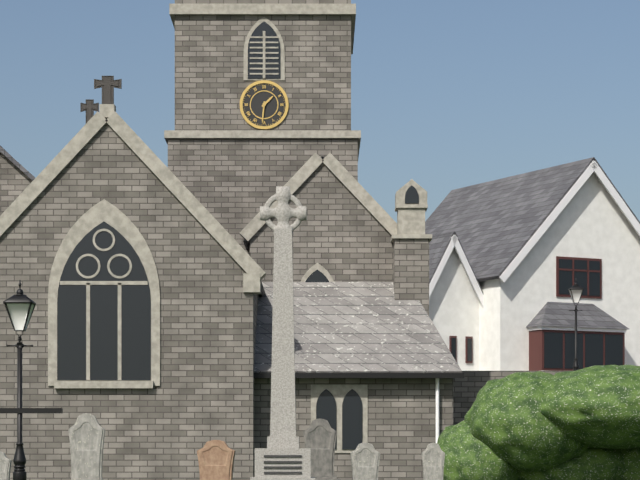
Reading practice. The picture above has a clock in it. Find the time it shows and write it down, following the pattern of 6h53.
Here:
1h31
